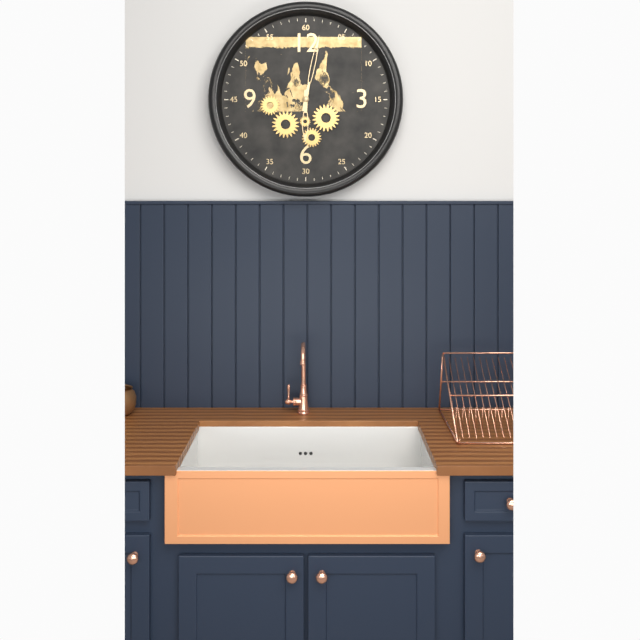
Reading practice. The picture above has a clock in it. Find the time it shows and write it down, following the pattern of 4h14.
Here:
6h02
